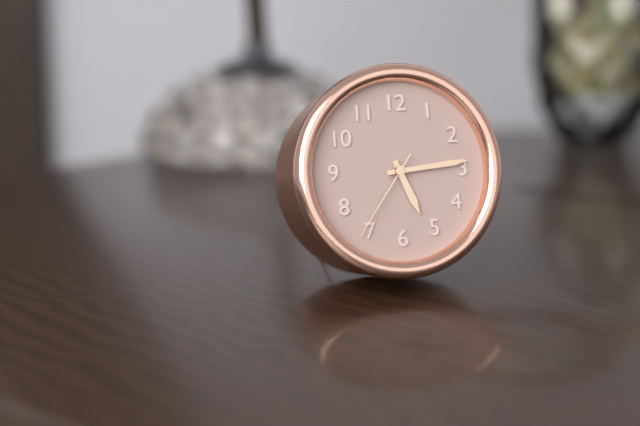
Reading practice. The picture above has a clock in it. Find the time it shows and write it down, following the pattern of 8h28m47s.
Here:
5h14m36s
